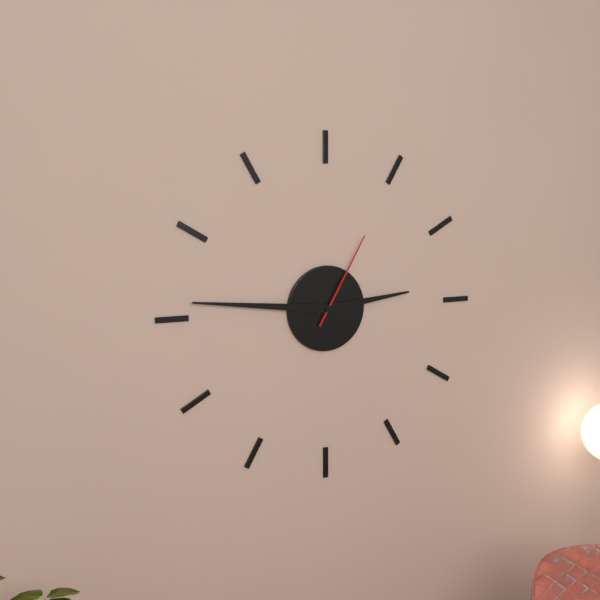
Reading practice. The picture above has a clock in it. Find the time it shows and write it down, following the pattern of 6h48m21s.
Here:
2h46m05s
